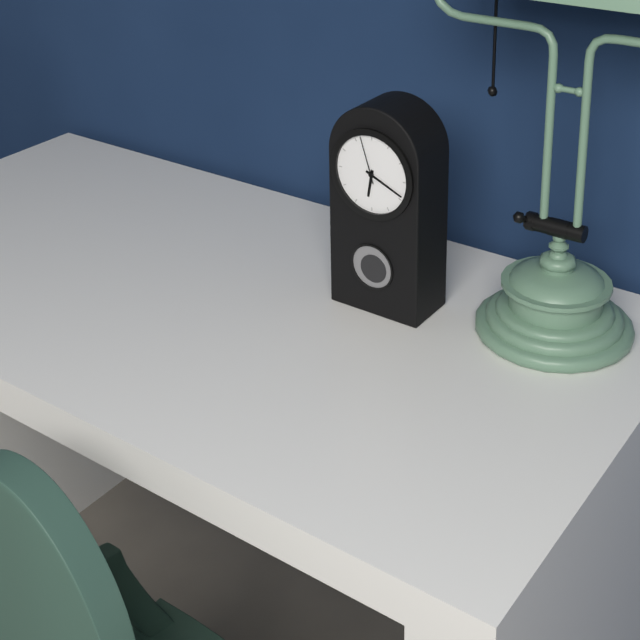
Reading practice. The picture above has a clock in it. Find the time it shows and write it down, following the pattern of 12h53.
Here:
6h19
